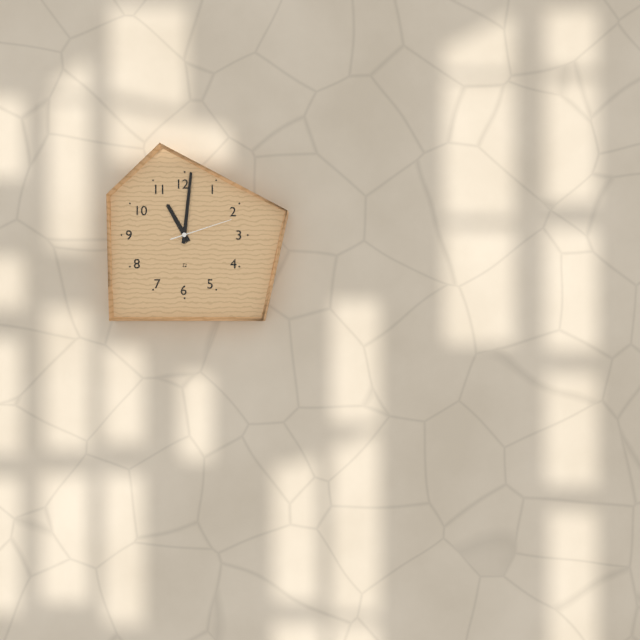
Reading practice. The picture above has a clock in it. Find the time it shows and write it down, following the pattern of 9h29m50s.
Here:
11h01m12s
